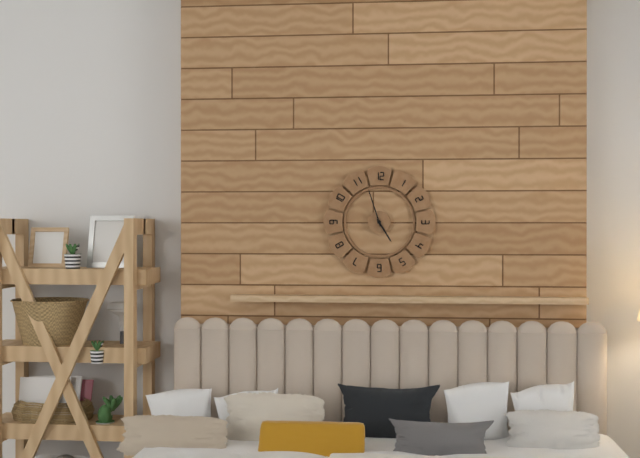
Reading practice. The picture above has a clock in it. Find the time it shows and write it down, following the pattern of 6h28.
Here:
4h57
